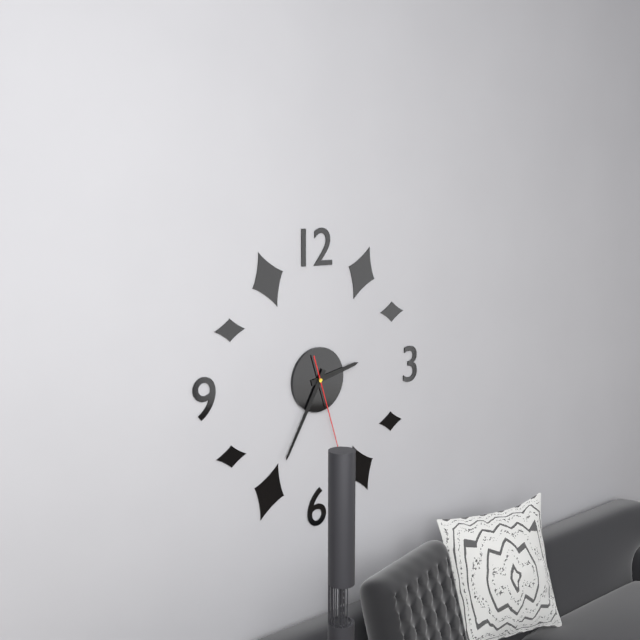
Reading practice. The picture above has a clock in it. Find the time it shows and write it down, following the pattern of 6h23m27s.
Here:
2h35m27s
